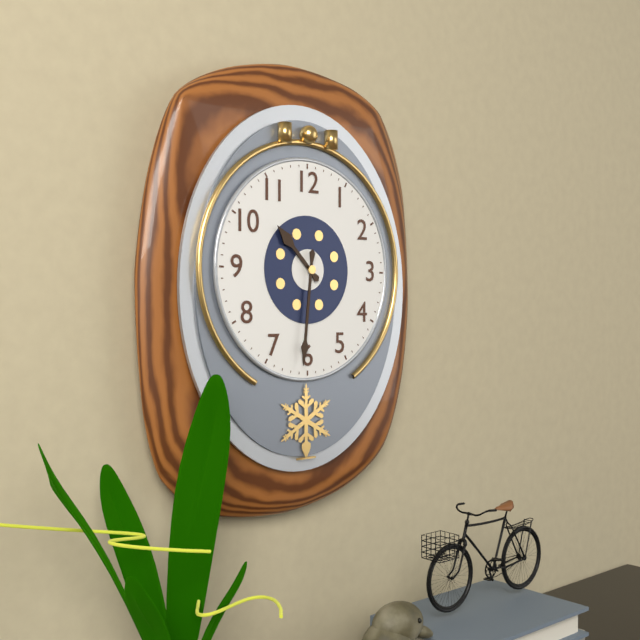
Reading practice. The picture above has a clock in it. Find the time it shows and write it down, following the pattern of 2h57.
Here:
10h31
